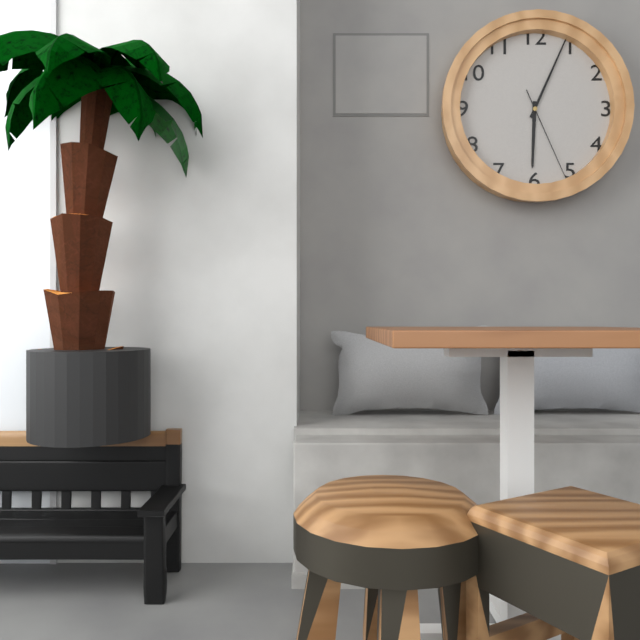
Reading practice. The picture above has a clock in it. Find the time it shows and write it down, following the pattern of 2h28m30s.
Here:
6h04m26s
